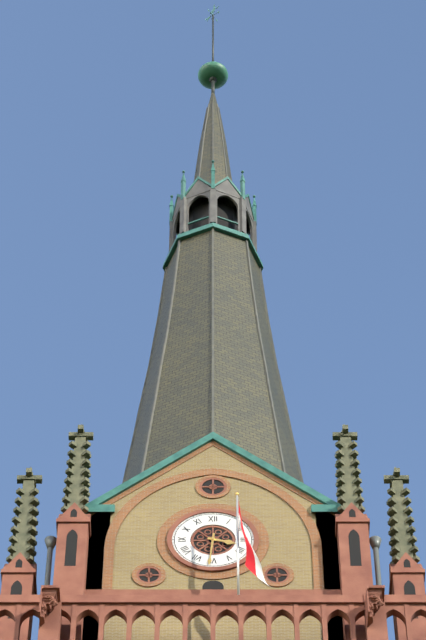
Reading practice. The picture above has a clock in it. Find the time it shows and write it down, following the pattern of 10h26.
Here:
3h31
